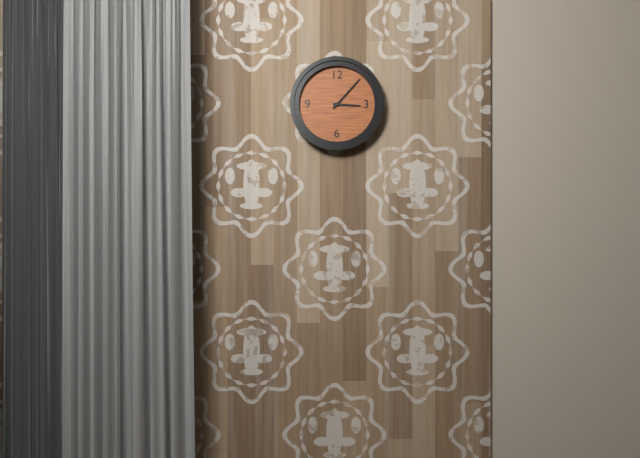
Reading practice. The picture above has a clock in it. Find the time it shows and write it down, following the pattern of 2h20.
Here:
3h07
